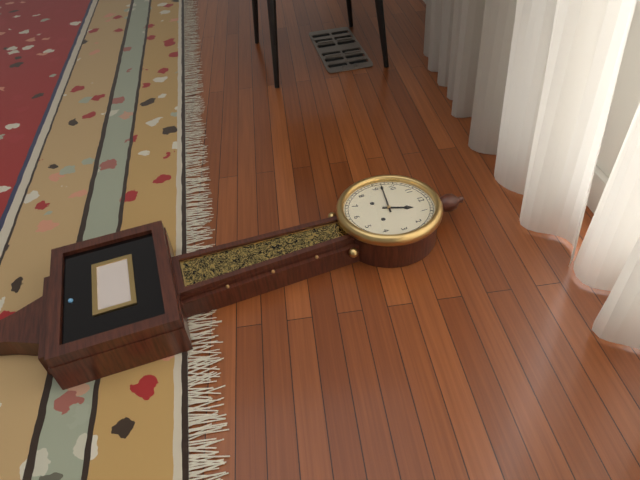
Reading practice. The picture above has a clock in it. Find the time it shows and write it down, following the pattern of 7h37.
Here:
12h47
